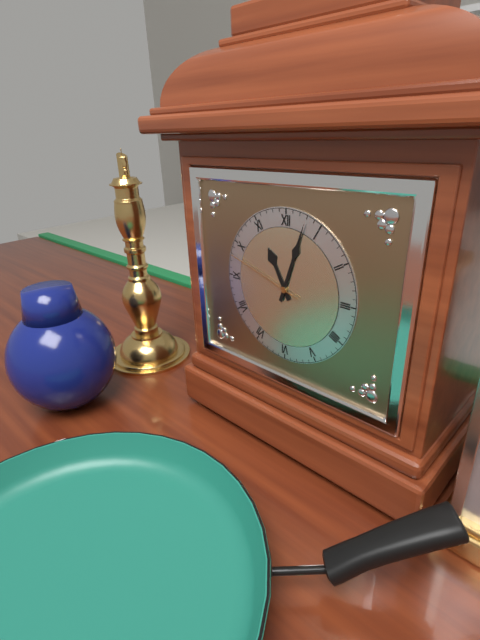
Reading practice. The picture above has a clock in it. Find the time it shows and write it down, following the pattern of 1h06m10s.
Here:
11h03m48s
